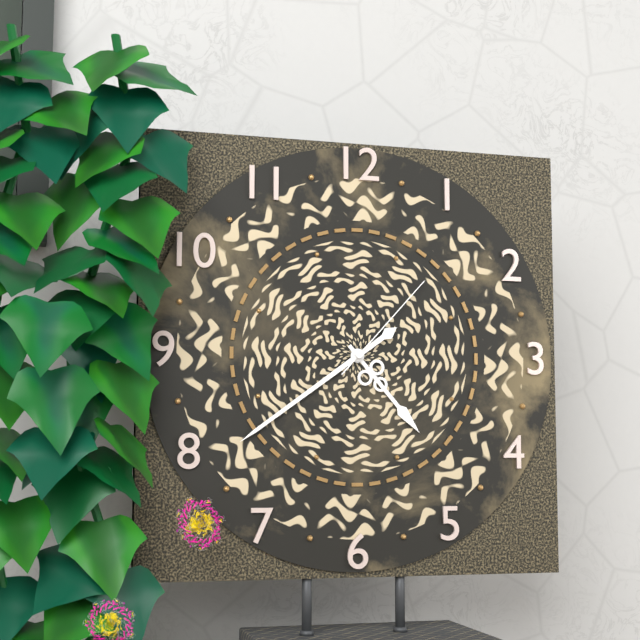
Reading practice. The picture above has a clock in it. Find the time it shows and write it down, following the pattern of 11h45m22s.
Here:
4h39m07s
